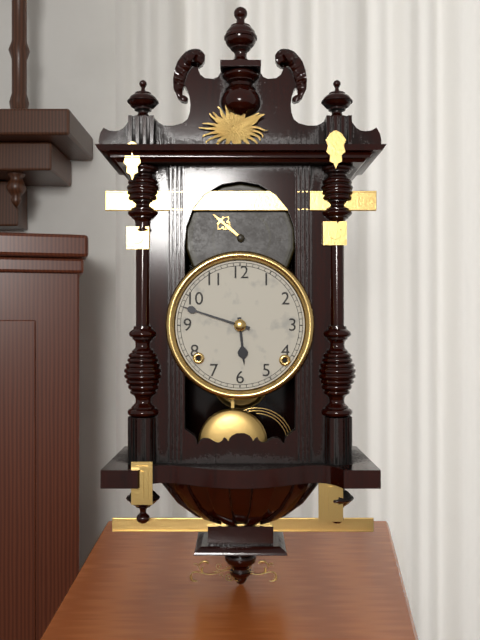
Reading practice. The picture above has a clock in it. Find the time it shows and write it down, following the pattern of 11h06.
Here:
5h48
